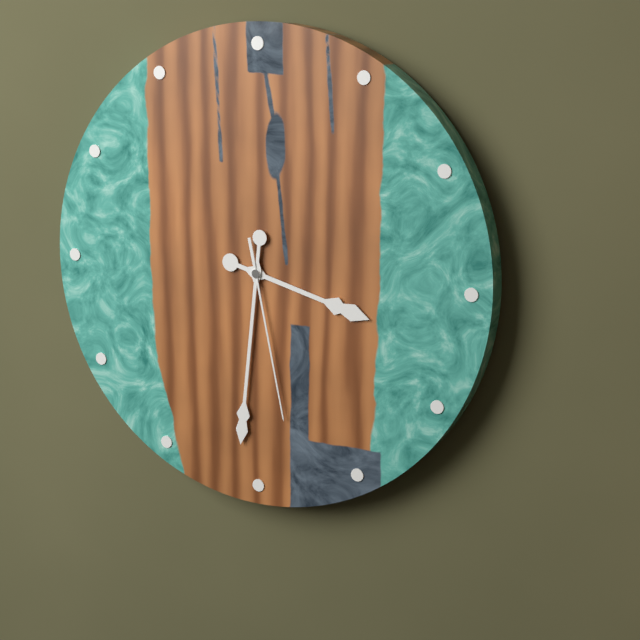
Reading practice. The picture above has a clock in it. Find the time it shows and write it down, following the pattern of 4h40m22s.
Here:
3h31m28s
